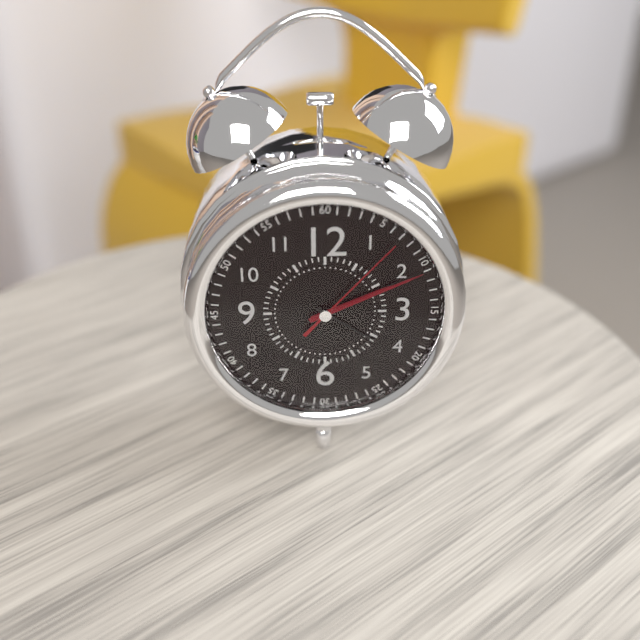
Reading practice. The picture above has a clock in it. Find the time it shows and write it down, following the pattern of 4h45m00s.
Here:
2h11m07s
